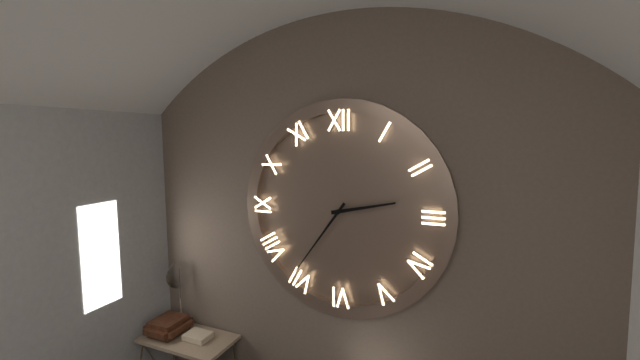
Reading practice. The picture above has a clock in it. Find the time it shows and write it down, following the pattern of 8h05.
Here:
2h36
